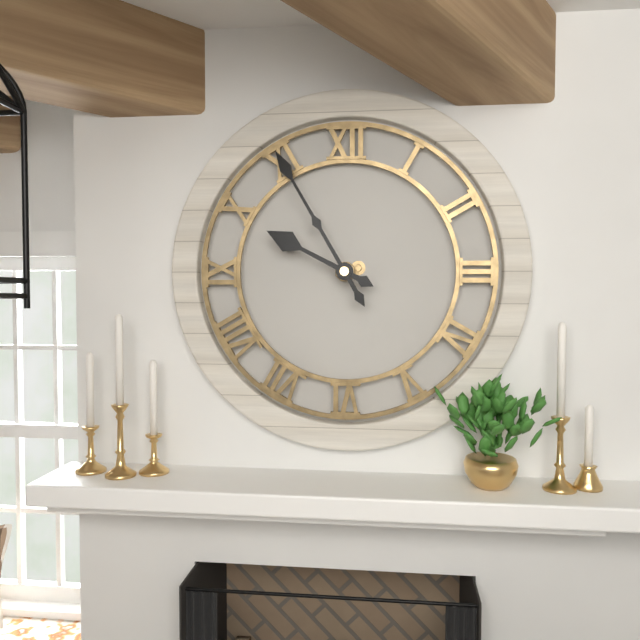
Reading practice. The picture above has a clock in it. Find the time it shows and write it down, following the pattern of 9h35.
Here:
9h55
